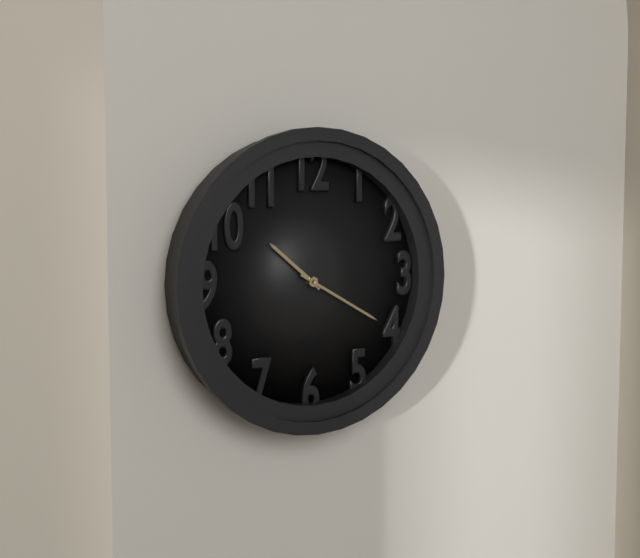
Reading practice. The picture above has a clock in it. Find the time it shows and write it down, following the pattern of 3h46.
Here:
10h20
